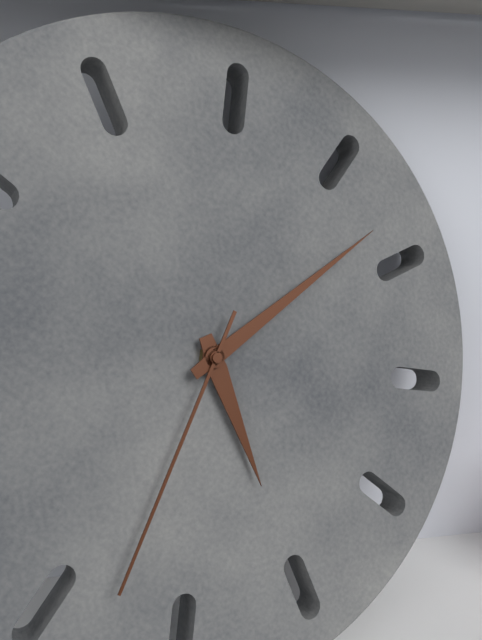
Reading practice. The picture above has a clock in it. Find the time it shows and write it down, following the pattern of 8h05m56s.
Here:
4h03m28s
